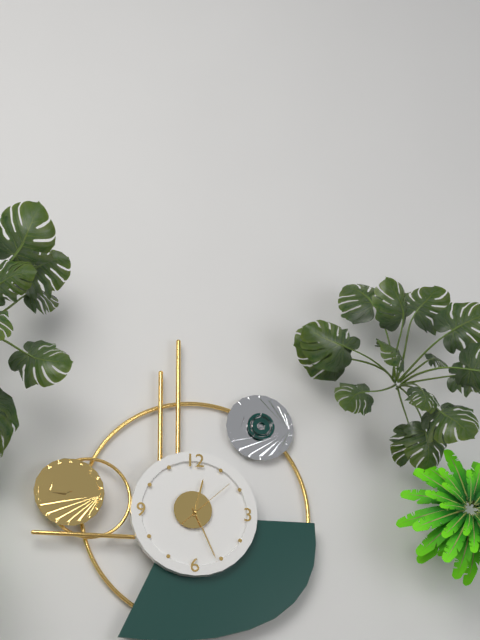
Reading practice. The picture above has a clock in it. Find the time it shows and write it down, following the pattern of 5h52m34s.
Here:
12h26m08s
